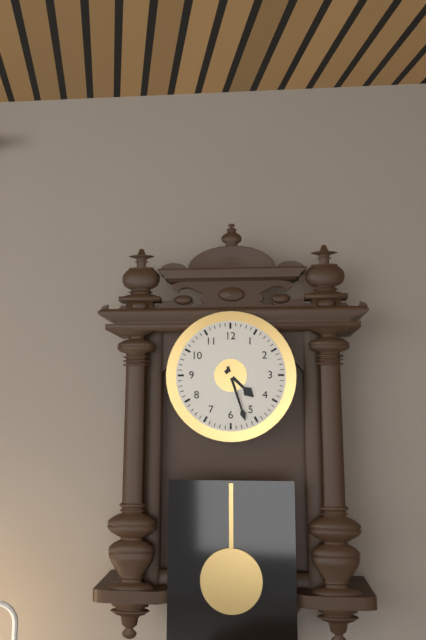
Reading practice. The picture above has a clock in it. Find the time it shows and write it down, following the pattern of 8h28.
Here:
4h27
